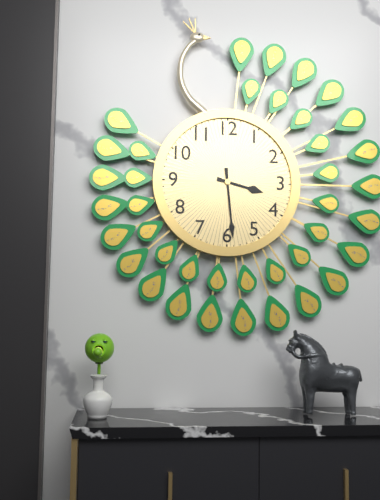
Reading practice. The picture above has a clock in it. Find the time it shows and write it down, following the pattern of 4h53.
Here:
3h29
